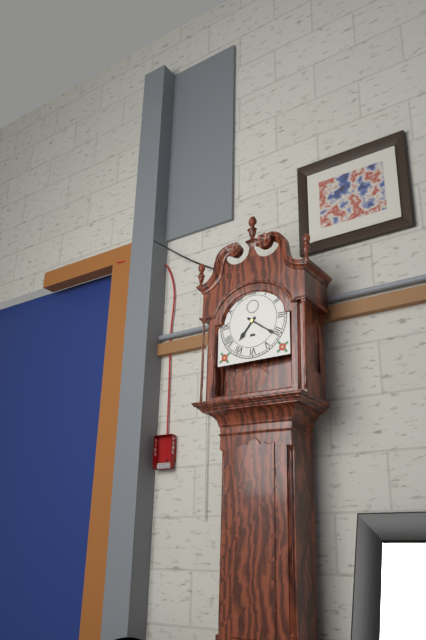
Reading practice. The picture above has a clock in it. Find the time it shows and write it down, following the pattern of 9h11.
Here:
7h21
